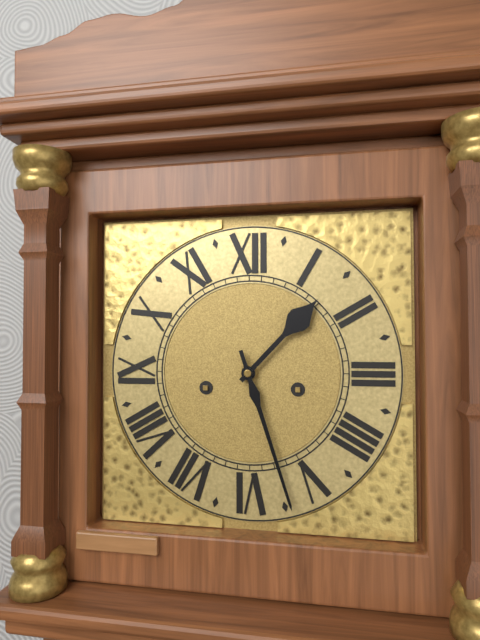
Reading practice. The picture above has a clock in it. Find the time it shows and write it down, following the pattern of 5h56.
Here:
1h27
